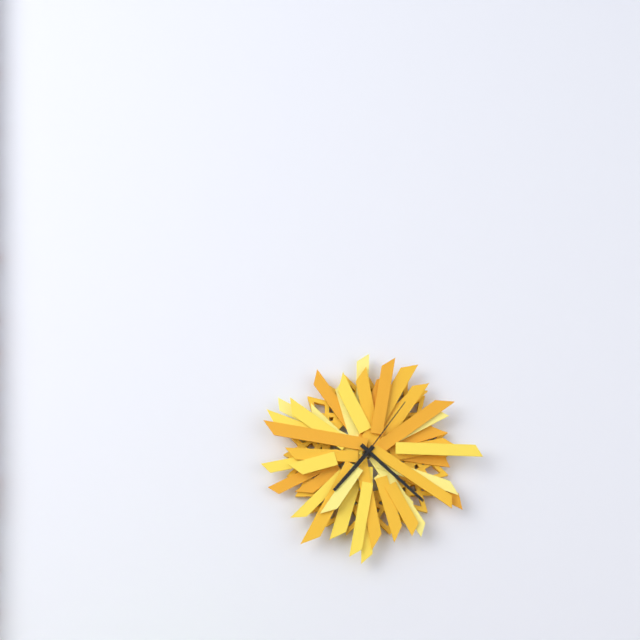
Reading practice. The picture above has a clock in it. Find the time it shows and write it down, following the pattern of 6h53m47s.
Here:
7h22m06s
